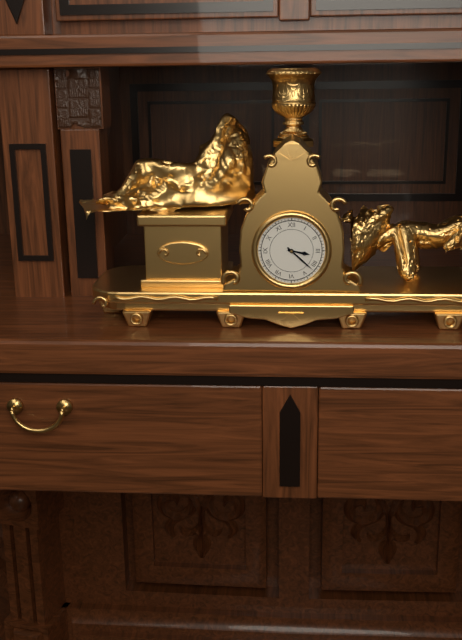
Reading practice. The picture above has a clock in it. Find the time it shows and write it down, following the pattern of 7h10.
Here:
3h22
